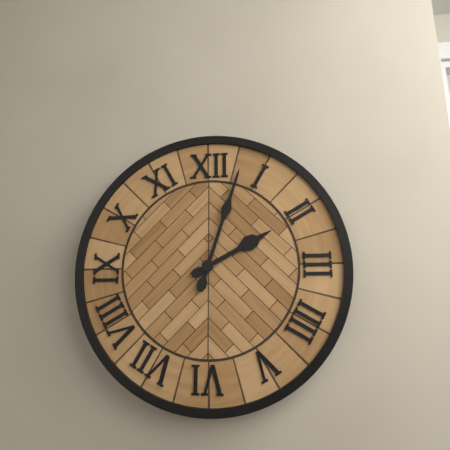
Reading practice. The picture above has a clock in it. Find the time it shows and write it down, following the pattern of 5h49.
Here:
2h03
